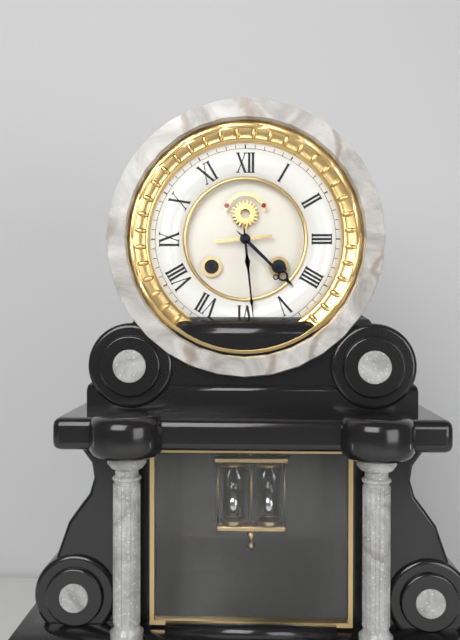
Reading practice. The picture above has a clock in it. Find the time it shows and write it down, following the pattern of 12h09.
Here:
4h29
